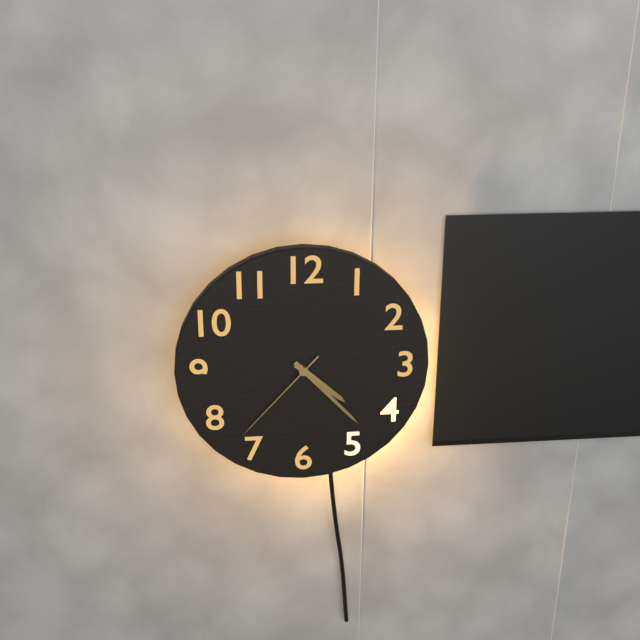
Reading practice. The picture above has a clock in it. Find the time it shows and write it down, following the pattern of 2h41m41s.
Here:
4h23m37s
